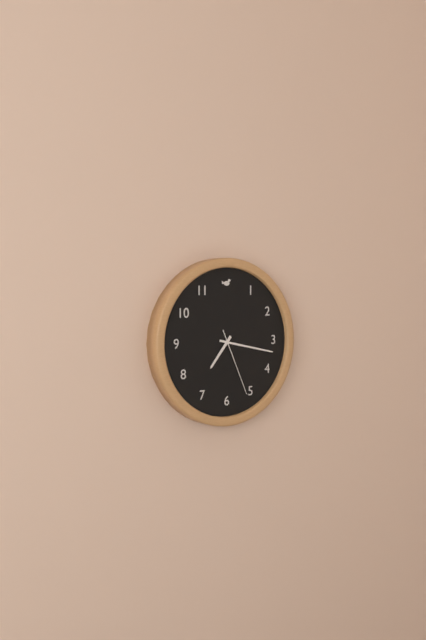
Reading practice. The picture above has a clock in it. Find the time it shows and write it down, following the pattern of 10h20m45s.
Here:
7h17m26s
